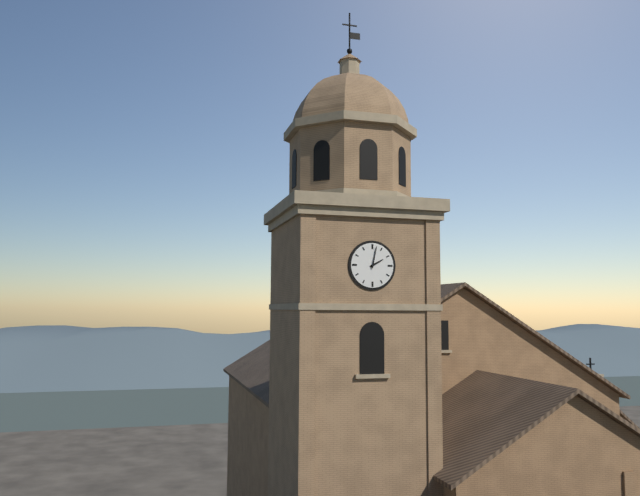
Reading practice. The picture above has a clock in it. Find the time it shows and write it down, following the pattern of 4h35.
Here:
2h02
